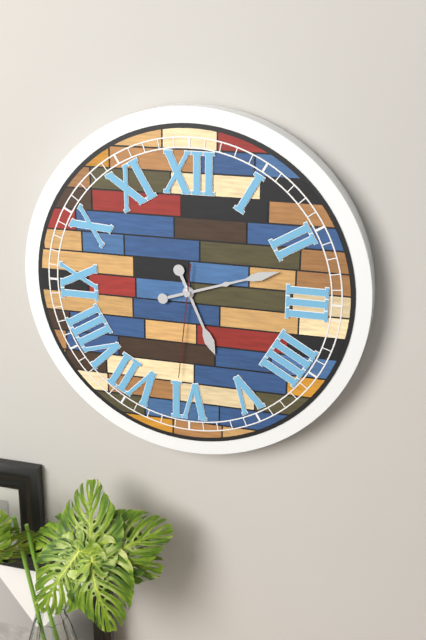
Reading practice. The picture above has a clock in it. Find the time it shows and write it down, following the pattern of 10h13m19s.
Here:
5h12m31s
